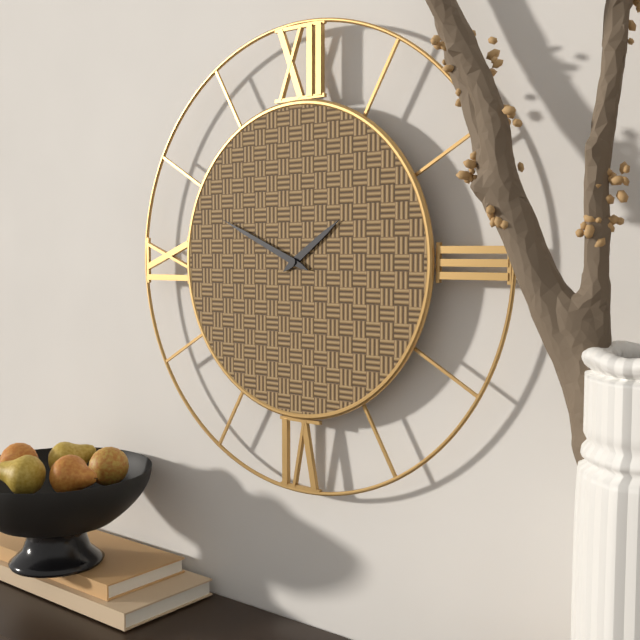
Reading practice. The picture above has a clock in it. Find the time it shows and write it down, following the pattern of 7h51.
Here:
1h49
